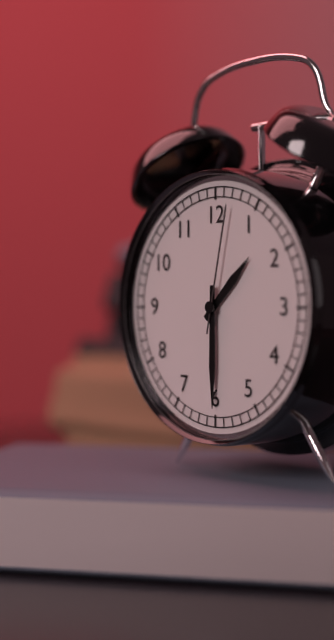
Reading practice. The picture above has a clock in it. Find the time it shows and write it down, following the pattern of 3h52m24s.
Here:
1h30m02s
